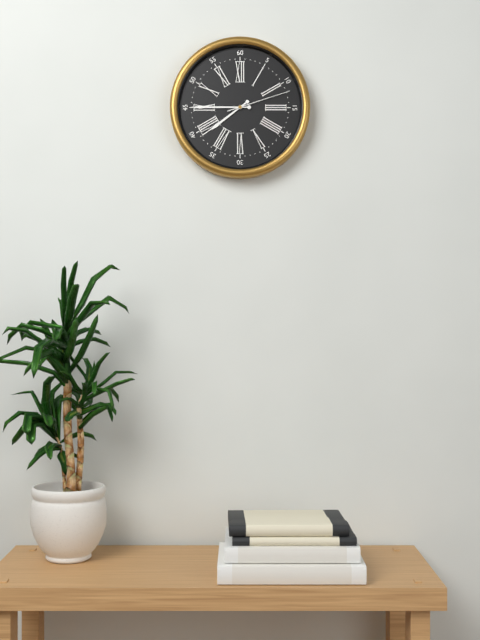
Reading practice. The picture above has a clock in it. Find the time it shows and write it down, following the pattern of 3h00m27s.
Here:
7h45m12s
